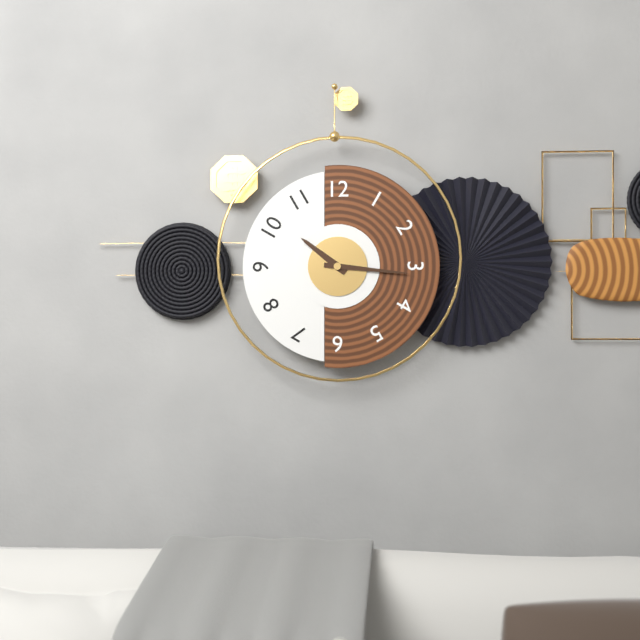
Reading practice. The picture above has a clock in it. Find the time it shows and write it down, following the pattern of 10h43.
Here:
10h16
